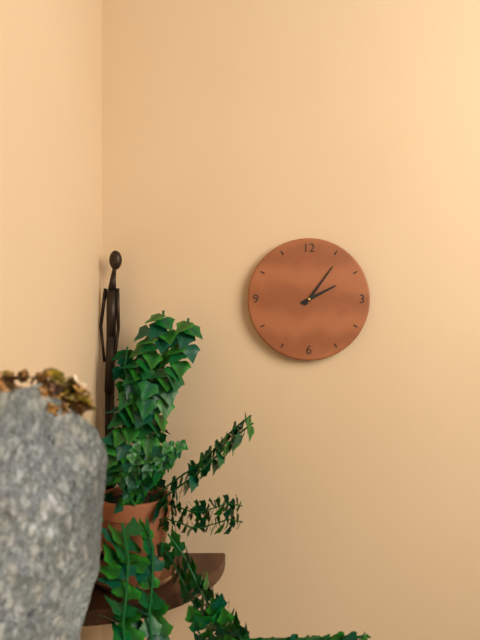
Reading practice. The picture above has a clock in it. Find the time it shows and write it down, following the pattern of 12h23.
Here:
2h06
